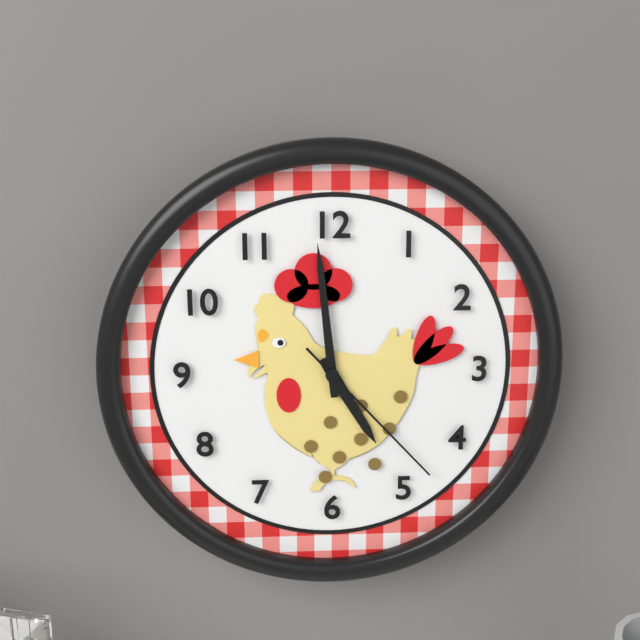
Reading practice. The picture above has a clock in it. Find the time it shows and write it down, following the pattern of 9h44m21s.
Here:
4h59m23s
